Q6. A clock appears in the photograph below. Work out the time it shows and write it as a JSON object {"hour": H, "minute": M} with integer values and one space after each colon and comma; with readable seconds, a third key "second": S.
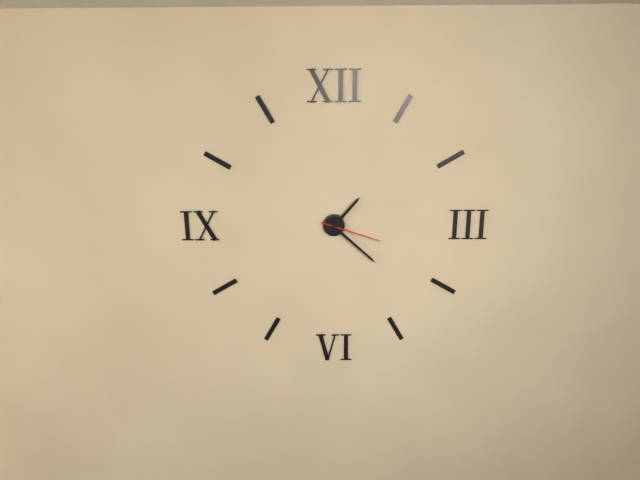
{"hour": 1, "minute": 22, "second": 18}
